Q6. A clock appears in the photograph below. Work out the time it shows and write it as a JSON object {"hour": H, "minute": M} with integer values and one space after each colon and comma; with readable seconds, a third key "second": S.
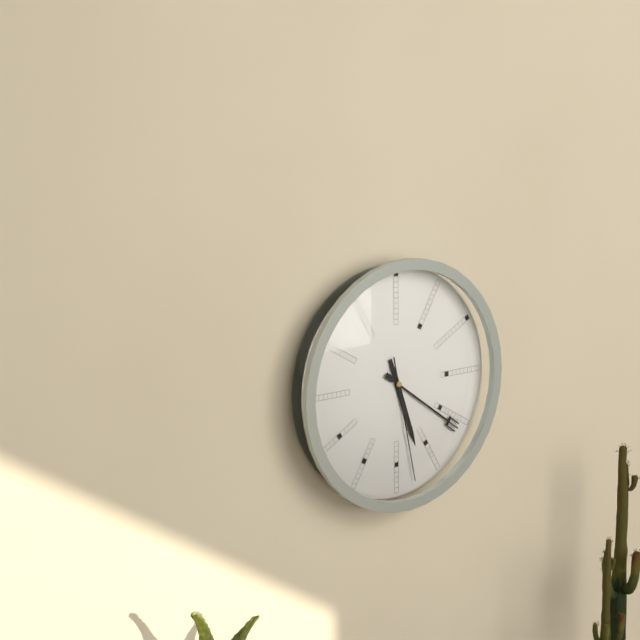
{"hour": 5, "minute": 21, "second": 28}
